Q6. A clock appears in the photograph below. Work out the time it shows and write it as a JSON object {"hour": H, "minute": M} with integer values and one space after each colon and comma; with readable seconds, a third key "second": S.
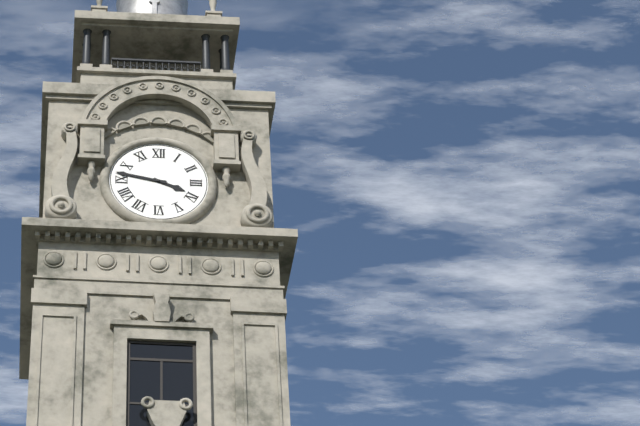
{"hour": 3, "minute": 47}
